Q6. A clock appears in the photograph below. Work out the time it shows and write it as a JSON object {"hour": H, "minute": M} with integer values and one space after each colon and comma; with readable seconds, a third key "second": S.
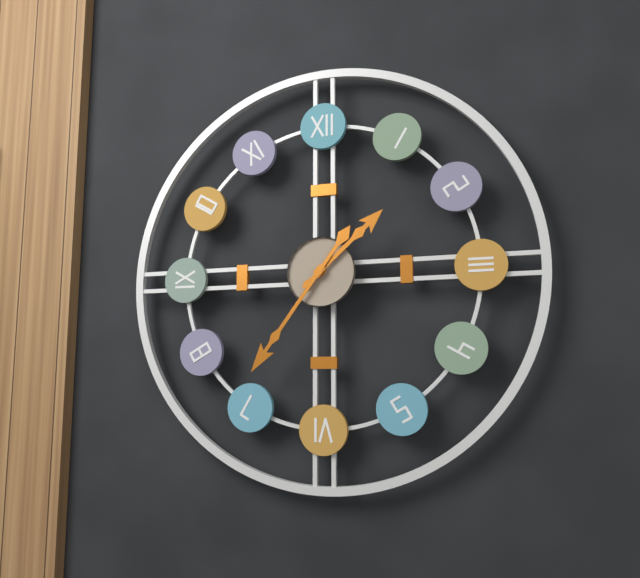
{"hour": 1, "minute": 36}
